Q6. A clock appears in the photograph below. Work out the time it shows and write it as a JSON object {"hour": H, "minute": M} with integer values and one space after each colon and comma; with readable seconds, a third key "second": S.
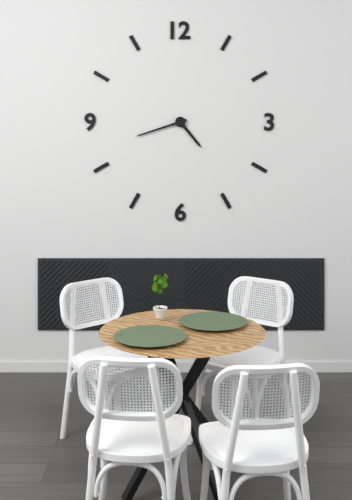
{"hour": 4, "minute": 42}
